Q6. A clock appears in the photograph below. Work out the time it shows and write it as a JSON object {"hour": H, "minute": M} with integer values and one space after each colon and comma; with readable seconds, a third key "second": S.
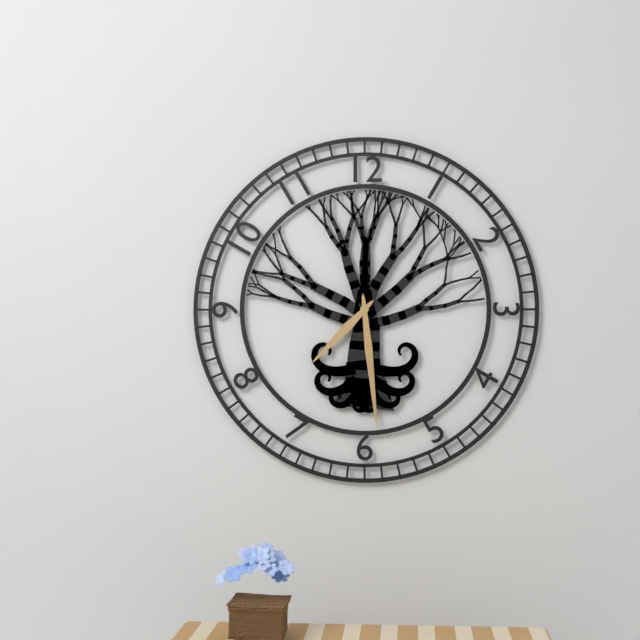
{"hour": 7, "minute": 29}
